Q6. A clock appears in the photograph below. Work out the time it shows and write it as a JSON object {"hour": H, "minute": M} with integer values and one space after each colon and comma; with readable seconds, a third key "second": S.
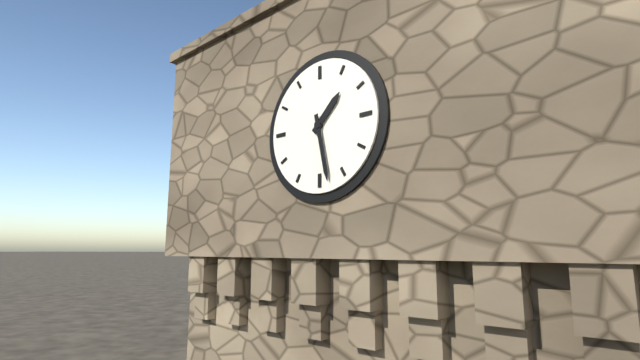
{"hour": 1, "minute": 28}
